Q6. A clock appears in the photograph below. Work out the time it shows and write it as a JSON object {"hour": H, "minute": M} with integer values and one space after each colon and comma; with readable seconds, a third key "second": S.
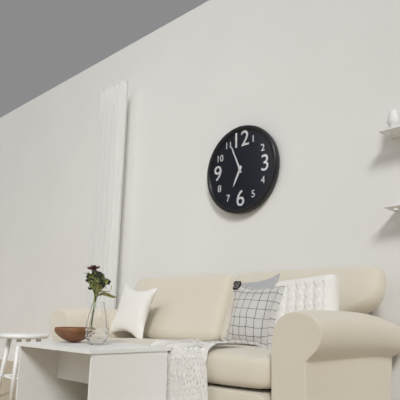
{"hour": 6, "minute": 56}
